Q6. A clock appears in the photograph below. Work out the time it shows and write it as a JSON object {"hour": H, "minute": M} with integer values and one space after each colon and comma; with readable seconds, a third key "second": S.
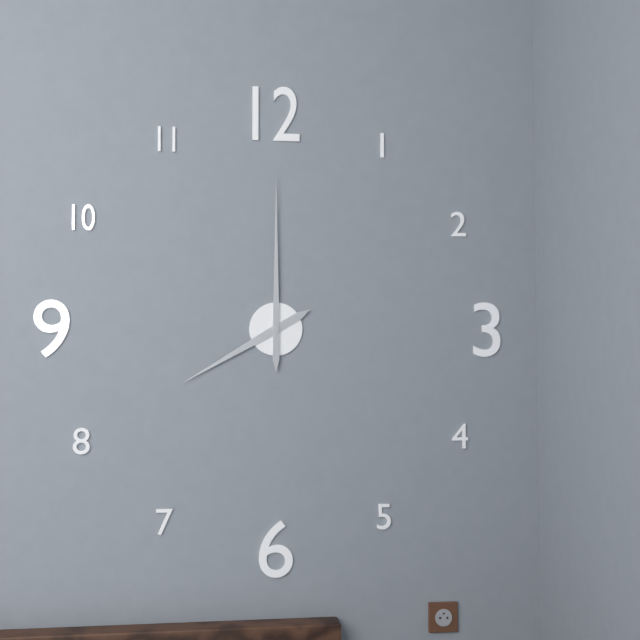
{"hour": 8, "minute": 0}
